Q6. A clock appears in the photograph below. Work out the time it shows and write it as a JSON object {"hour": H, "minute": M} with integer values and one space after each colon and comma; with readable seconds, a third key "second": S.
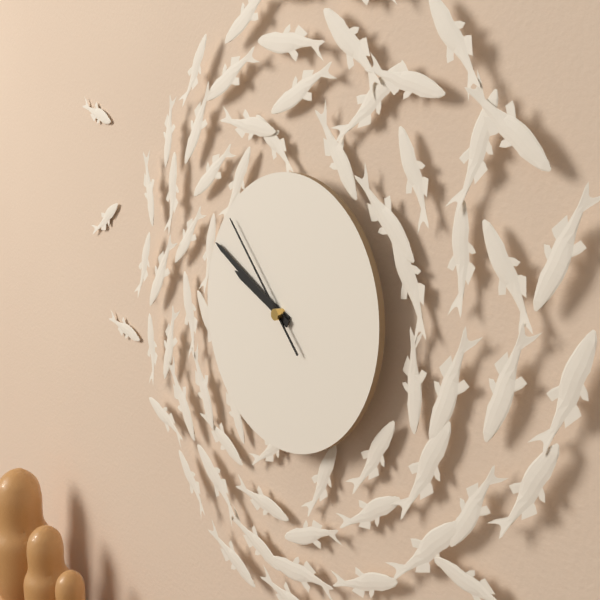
{"hour": 9, "minute": 50, "second": 53}
